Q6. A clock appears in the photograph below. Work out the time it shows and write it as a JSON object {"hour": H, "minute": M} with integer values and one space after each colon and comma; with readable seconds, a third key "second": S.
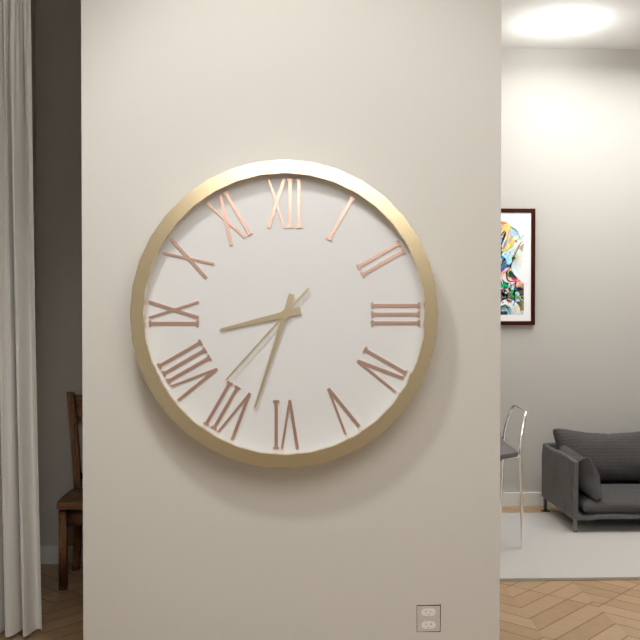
{"hour": 8, "minute": 33, "second": 37}
